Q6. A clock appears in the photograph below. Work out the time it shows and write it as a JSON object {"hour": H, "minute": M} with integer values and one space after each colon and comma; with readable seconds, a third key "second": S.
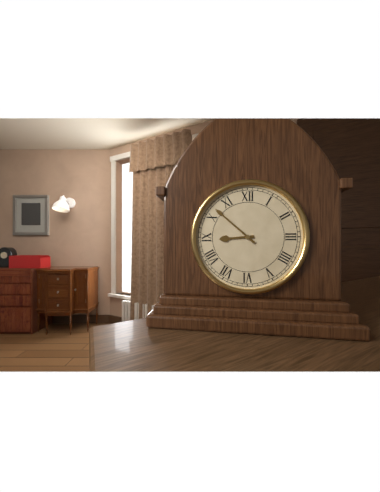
{"hour": 8, "minute": 52}
